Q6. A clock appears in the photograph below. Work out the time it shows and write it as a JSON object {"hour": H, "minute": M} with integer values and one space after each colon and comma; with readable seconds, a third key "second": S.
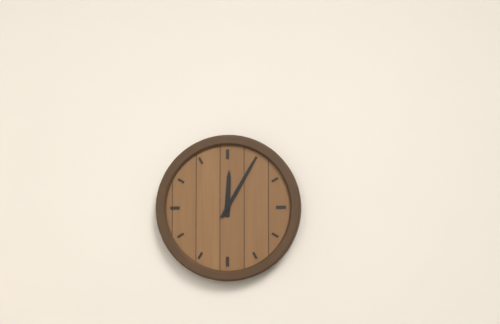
{"hour": 12, "minute": 5}
